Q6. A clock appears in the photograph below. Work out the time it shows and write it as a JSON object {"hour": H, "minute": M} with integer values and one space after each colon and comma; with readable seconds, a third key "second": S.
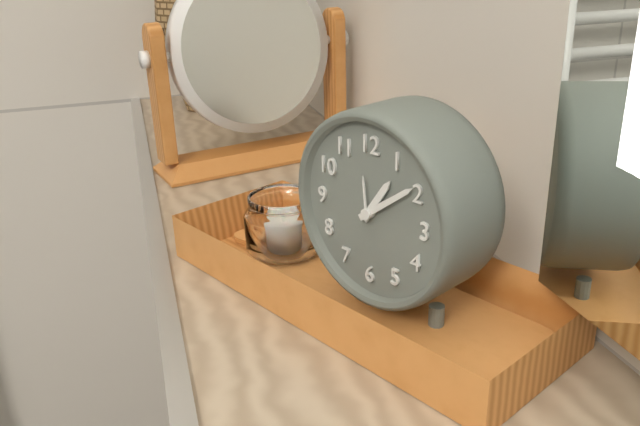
{"hour": 1, "minute": 9}
